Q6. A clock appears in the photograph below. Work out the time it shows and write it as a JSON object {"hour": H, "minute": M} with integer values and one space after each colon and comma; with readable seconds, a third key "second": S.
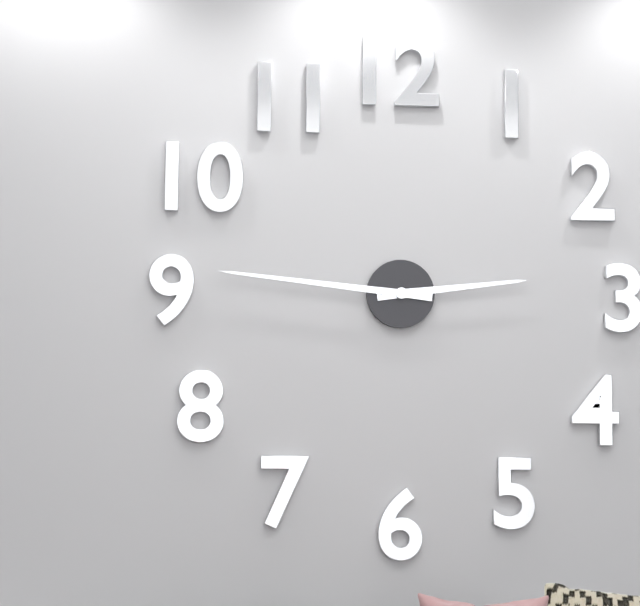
{"hour": 2, "minute": 46}
